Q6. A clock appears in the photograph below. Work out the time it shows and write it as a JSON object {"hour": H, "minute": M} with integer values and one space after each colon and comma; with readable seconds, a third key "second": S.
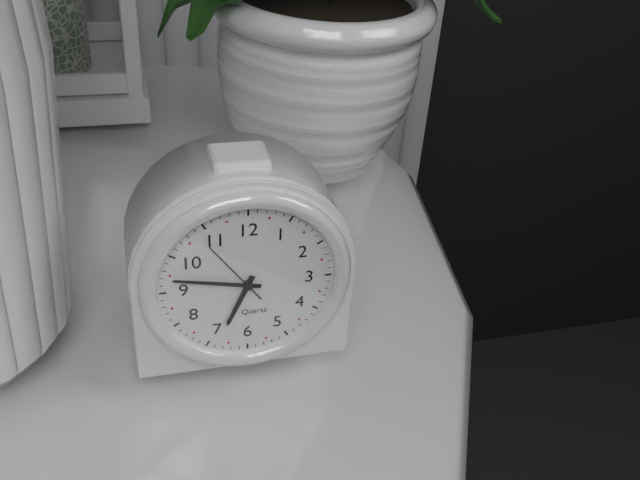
{"hour": 6, "minute": 47, "second": 54}
